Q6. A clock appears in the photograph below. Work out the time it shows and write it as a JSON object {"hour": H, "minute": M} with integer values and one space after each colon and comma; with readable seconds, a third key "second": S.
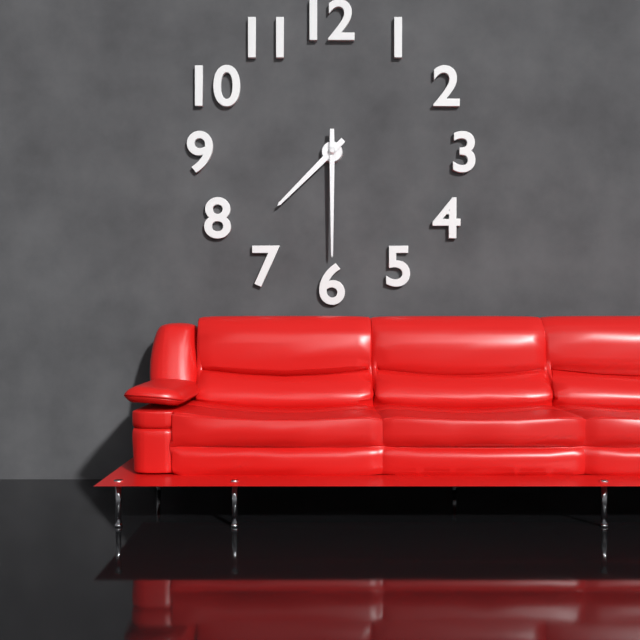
{"hour": 7, "minute": 30}
